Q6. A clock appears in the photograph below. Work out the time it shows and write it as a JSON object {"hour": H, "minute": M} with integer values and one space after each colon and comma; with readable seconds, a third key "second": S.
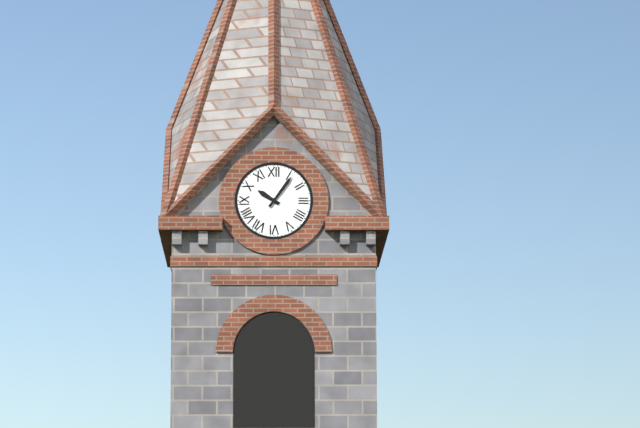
{"hour": 10, "minute": 6}
